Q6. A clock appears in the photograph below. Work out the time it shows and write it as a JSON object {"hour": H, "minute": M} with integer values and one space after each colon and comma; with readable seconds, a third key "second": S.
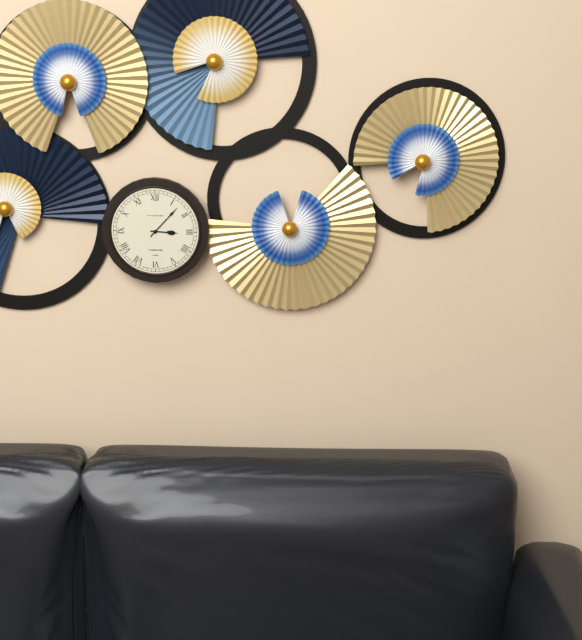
{"hour": 3, "minute": 7}
